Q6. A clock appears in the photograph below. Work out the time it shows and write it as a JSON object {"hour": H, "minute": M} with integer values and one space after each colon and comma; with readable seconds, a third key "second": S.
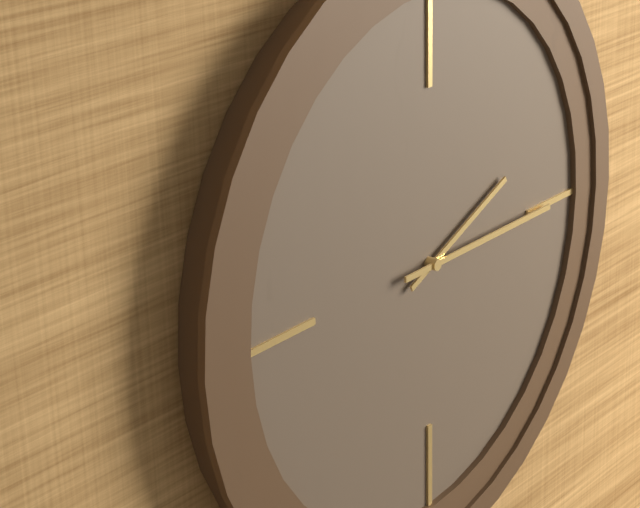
{"hour": 2, "minute": 15}
